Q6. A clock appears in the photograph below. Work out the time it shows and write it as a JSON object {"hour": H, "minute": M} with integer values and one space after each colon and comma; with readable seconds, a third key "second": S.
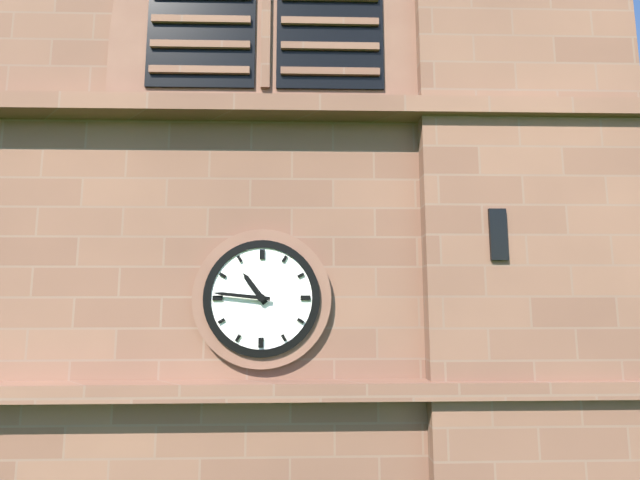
{"hour": 10, "minute": 46}
